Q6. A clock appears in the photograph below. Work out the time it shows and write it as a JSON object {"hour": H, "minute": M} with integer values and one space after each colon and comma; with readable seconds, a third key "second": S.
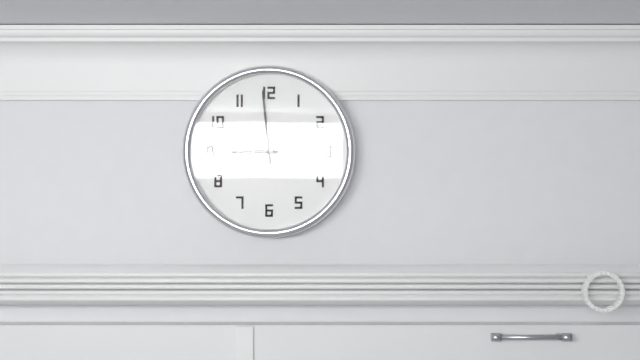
{"hour": 8, "minute": 59}
